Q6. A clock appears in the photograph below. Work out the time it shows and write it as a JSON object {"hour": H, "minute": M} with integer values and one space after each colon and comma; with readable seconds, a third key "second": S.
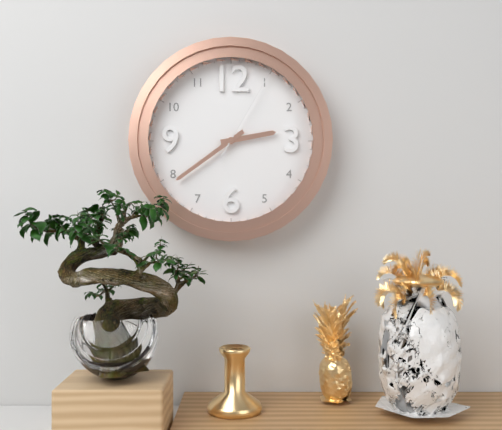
{"hour": 2, "minute": 39, "second": 5}
